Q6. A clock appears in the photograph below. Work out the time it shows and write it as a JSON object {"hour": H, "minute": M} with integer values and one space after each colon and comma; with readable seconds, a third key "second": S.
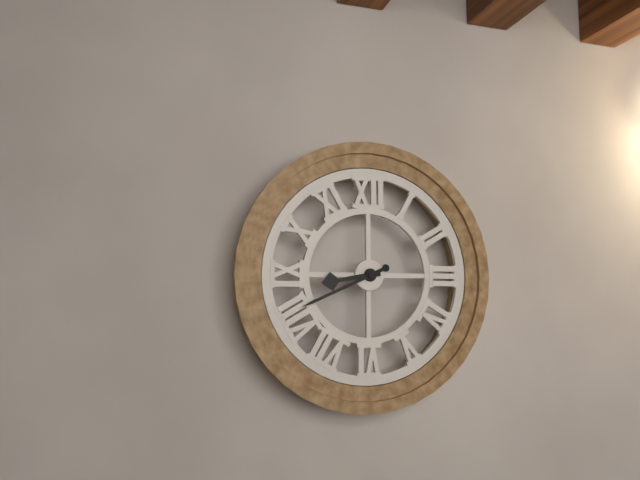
{"hour": 8, "minute": 41}
